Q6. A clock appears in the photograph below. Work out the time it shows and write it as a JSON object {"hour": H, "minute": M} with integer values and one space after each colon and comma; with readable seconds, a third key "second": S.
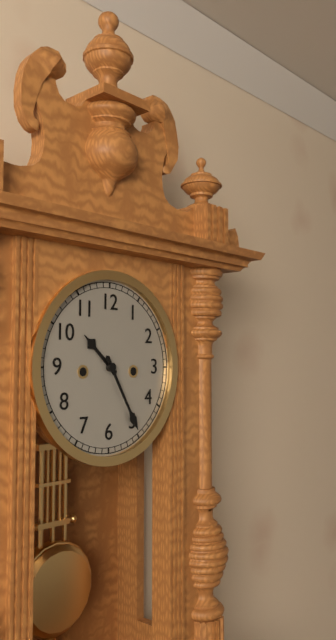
{"hour": 10, "minute": 25}
